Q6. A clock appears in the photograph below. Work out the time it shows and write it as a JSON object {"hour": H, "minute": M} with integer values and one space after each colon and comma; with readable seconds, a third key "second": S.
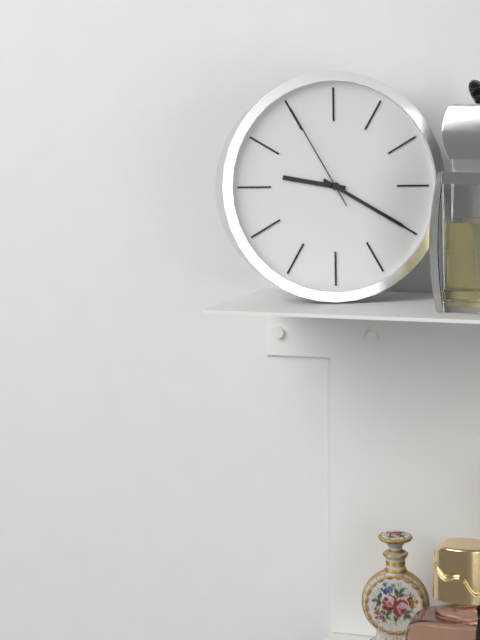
{"hour": 9, "minute": 20, "second": 55}
